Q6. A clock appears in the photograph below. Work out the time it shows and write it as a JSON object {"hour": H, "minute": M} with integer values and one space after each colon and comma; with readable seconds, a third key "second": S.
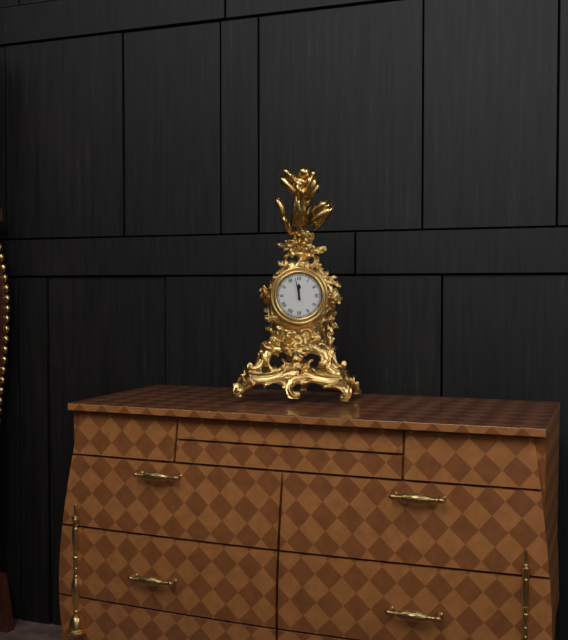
{"hour": 11, "minute": 58}
